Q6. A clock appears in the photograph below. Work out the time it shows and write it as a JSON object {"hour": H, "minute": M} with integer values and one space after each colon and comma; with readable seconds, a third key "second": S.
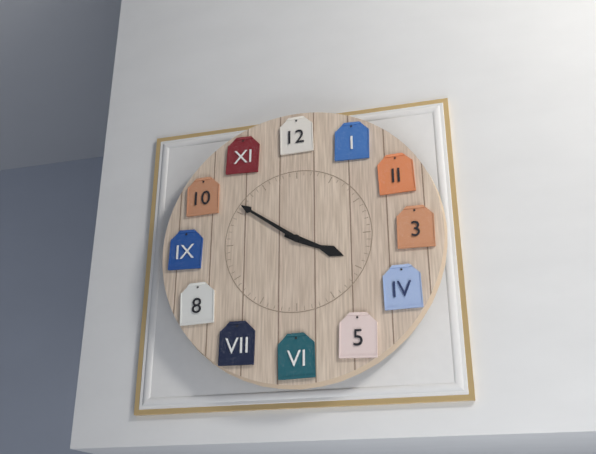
{"hour": 3, "minute": 51}
